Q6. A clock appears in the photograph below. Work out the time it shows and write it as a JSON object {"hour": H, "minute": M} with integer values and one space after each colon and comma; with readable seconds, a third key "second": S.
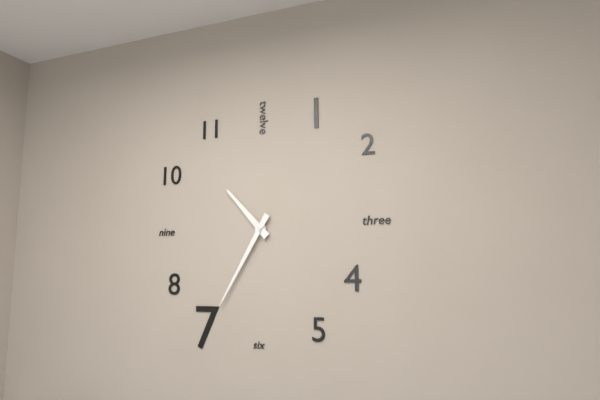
{"hour": 10, "minute": 35}
